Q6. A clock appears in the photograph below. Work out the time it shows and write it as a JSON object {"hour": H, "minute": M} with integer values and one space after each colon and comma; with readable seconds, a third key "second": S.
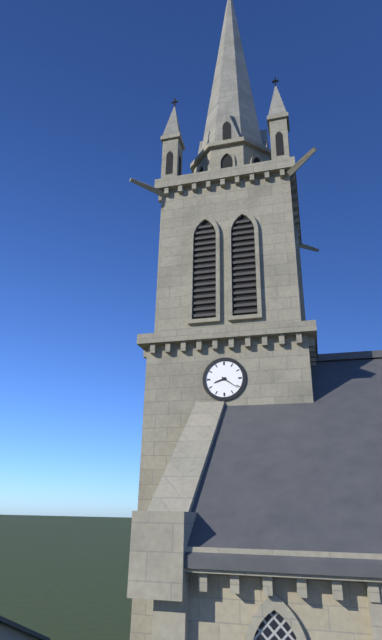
{"hour": 8, "minute": 21}
